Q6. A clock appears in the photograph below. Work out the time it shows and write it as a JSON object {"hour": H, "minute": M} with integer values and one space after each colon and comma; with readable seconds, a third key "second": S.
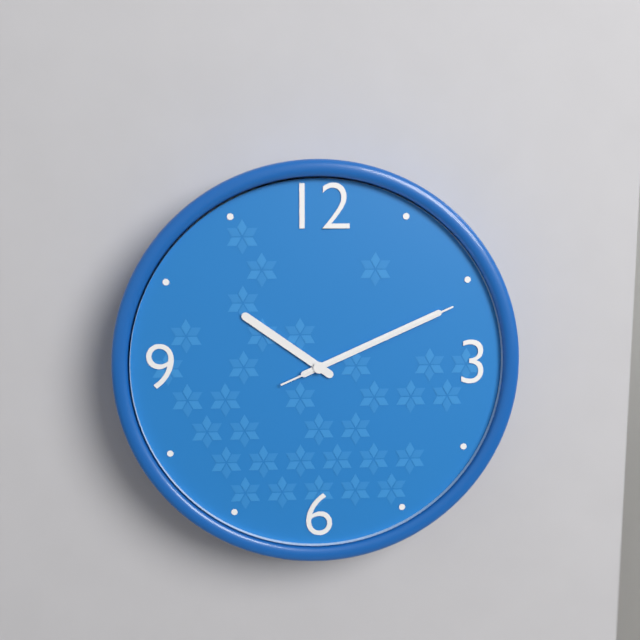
{"hour": 10, "minute": 11, "second": 11}
